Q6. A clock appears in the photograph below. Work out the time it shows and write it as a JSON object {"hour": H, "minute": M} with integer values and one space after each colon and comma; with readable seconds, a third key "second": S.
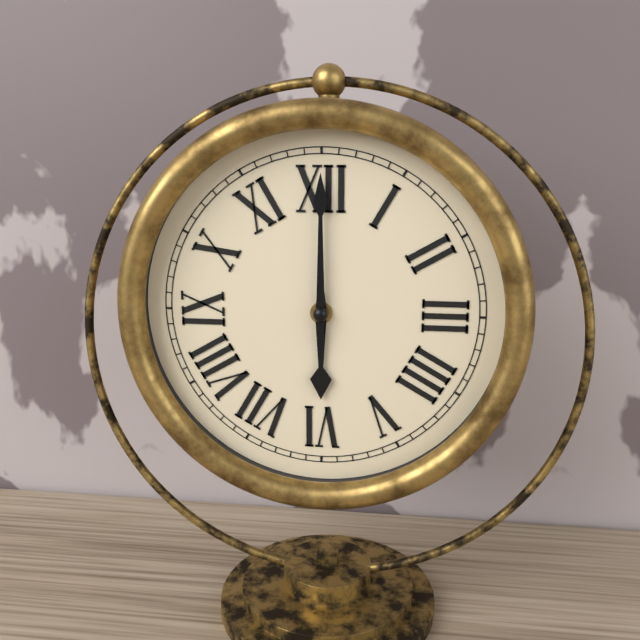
{"hour": 6, "minute": 0}
